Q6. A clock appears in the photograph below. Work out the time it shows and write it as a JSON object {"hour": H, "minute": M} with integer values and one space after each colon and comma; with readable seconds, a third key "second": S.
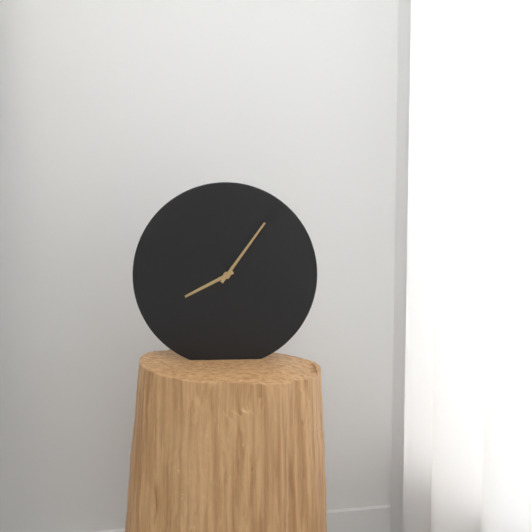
{"hour": 8, "minute": 6}
